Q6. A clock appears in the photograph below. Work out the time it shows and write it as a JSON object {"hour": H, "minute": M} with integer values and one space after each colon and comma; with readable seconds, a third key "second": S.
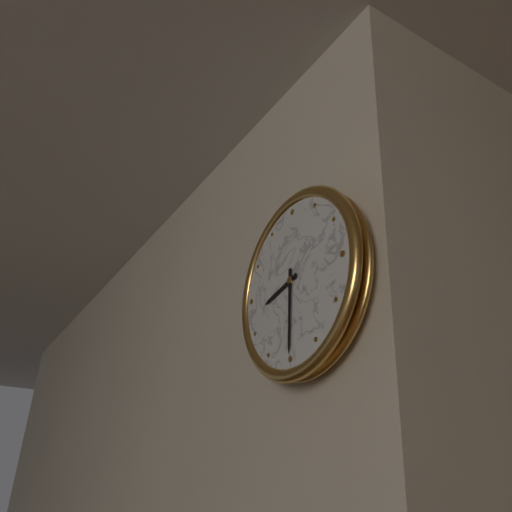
{"hour": 8, "minute": 30}
